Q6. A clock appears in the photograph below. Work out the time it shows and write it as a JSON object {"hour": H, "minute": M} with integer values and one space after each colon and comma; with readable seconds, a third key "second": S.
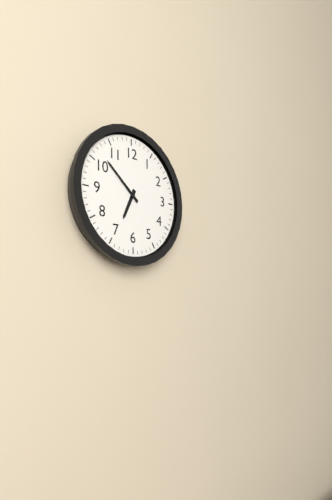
{"hour": 6, "minute": 52}
